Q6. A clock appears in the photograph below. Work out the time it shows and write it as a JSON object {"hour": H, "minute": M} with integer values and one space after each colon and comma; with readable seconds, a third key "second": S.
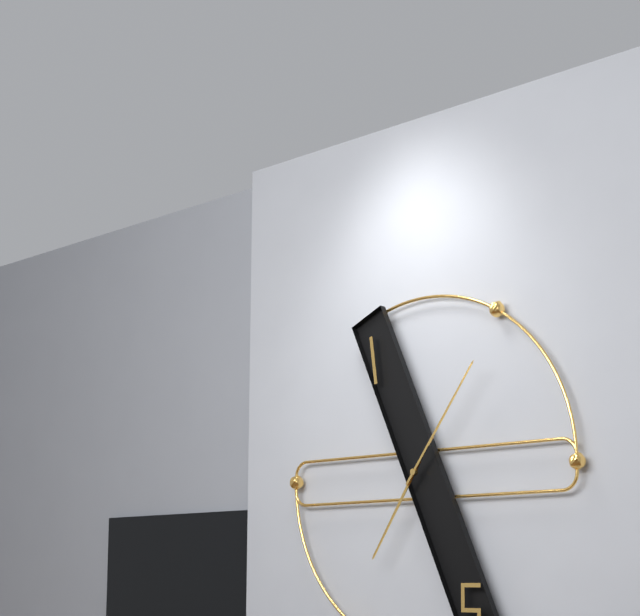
{"hour": 7, "minute": 6}
